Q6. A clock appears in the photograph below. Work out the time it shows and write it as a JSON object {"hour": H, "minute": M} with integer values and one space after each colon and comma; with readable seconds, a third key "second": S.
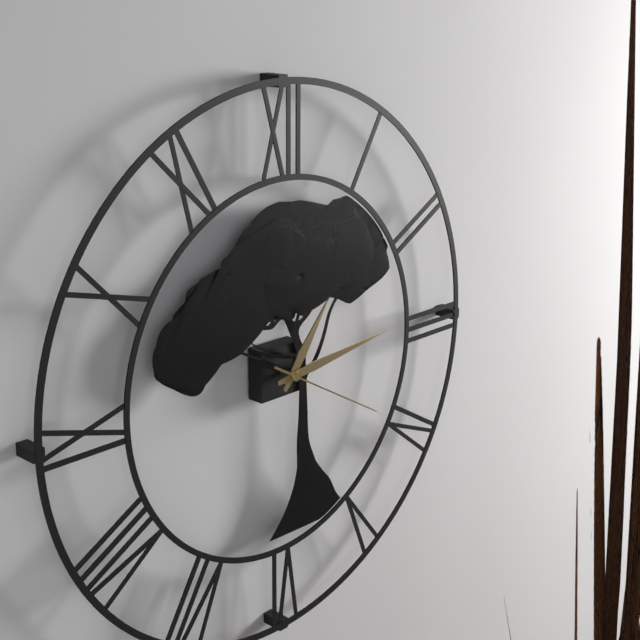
{"hour": 1, "minute": 14, "second": 20}
